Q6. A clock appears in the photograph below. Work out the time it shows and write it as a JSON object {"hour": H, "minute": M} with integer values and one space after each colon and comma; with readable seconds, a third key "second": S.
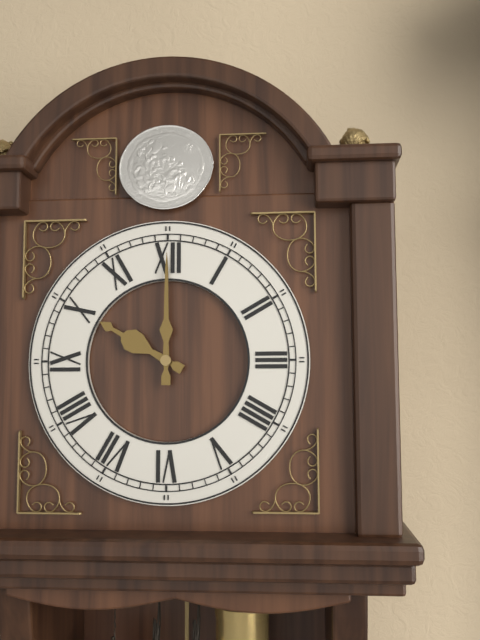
{"hour": 10, "minute": 0}
